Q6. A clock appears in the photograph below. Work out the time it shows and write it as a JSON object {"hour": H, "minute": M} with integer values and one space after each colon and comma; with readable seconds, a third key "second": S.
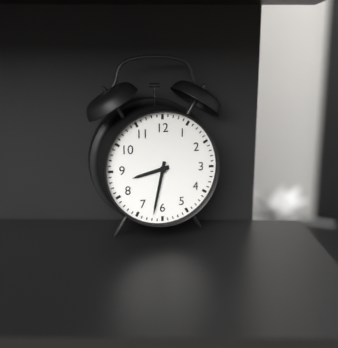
{"hour": 8, "minute": 32}
